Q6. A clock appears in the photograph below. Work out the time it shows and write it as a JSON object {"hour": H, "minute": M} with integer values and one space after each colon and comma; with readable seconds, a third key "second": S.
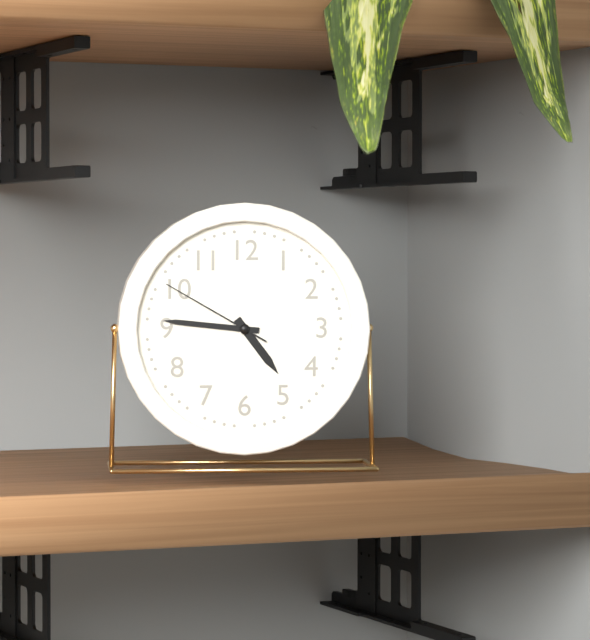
{"hour": 4, "minute": 46, "second": 50}
